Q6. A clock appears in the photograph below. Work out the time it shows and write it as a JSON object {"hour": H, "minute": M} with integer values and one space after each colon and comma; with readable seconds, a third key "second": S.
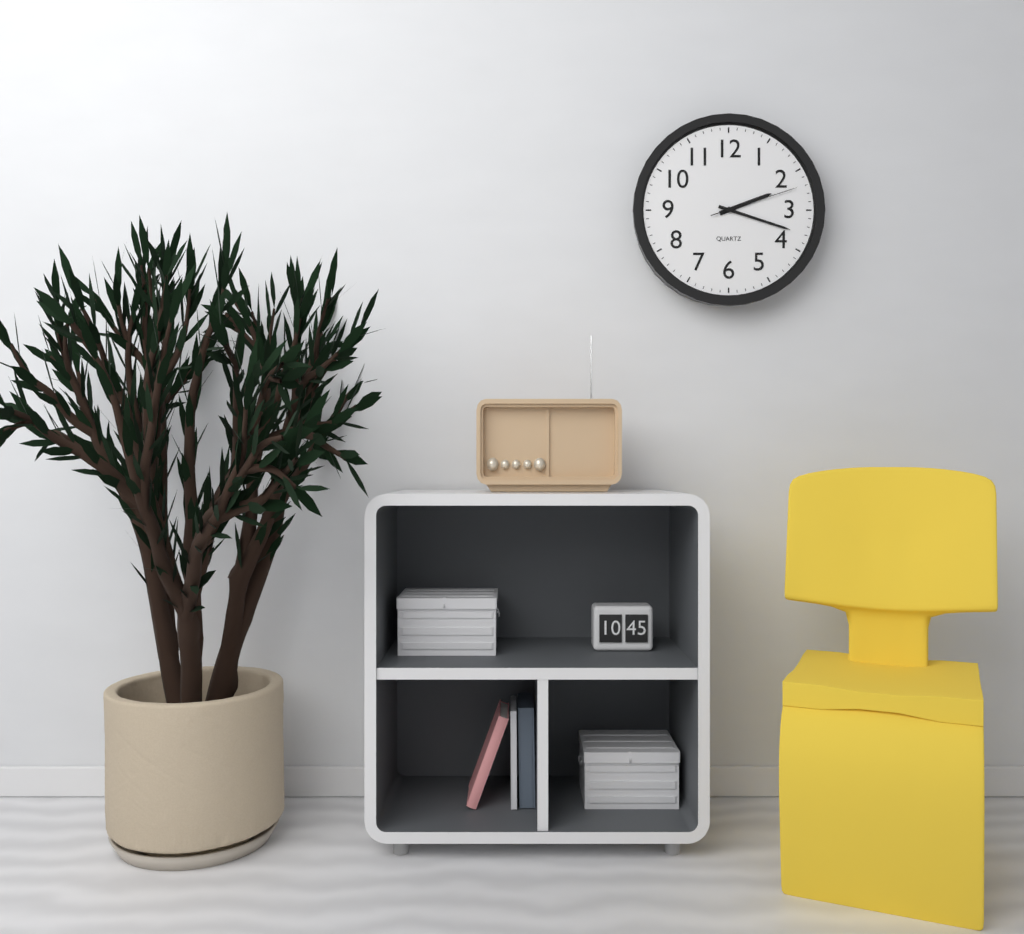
{"hour": 2, "minute": 18, "second": 12}
